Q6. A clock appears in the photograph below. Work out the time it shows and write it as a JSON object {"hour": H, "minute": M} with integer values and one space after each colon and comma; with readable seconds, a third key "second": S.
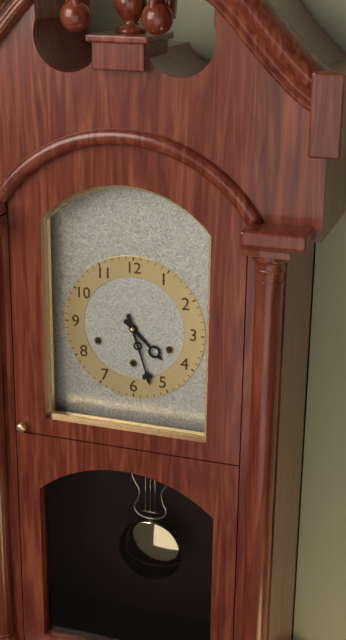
{"hour": 4, "minute": 27}
